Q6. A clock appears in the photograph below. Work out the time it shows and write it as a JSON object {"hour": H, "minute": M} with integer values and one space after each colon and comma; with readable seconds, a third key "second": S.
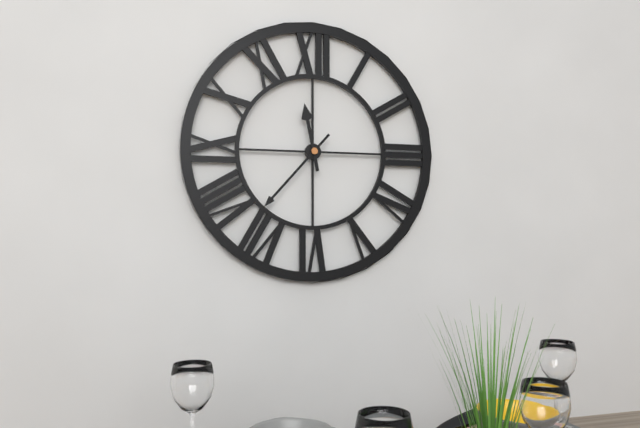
{"hour": 11, "minute": 37}
